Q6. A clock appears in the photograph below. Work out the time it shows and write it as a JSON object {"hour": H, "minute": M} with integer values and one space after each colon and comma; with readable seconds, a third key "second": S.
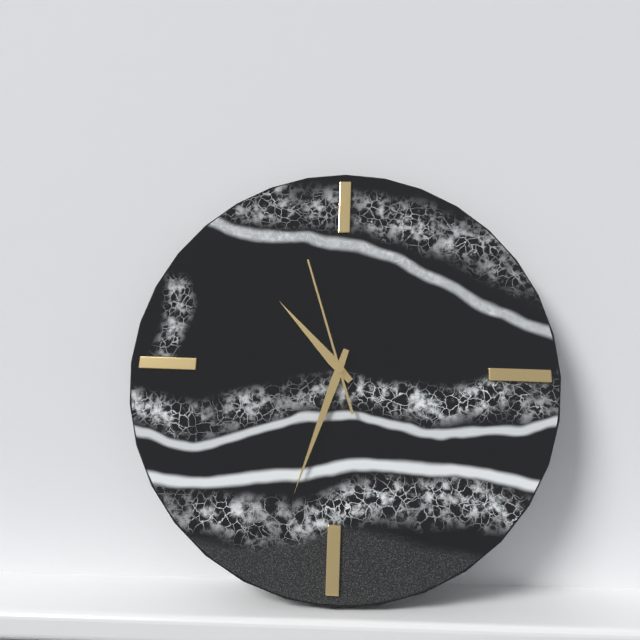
{"hour": 10, "minute": 33, "second": 57}
